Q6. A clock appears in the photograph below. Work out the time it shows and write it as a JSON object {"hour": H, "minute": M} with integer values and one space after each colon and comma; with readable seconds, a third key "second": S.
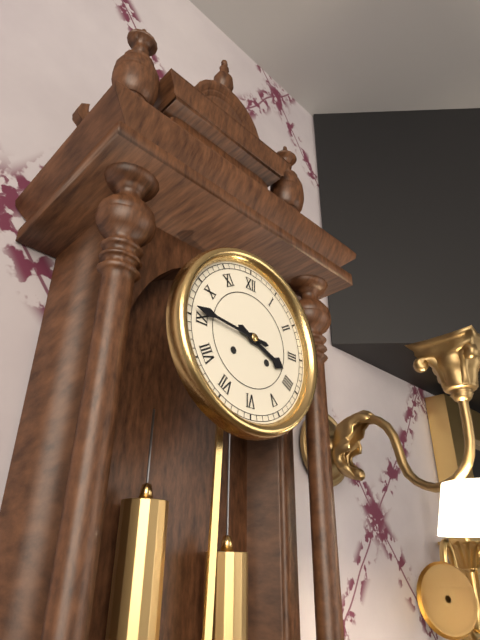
{"hour": 3, "minute": 46}
